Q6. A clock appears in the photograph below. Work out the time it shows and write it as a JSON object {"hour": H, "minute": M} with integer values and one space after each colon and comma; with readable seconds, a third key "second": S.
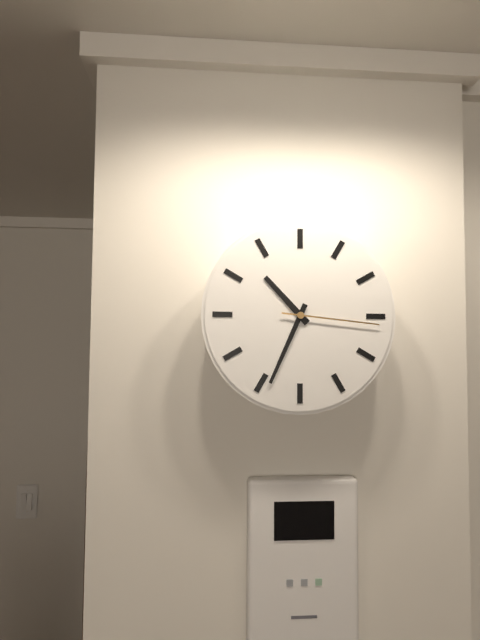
{"hour": 10, "minute": 34, "second": 16}
